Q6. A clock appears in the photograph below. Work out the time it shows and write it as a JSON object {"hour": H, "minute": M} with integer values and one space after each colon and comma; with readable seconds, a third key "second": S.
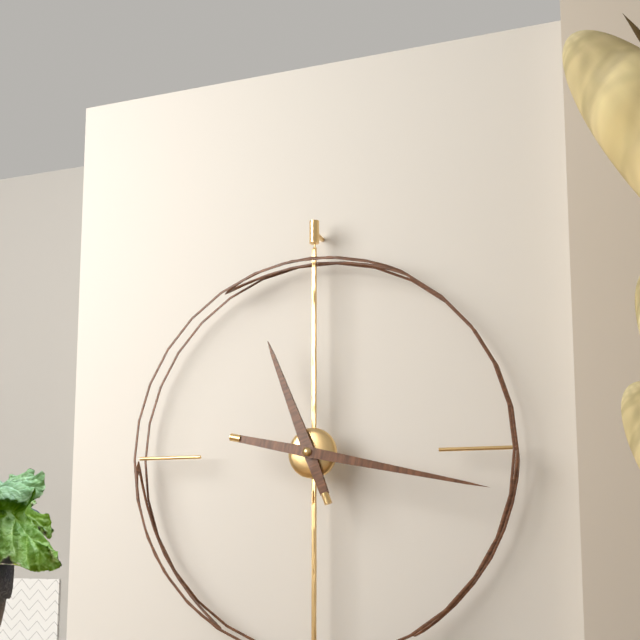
{"hour": 11, "minute": 17}
